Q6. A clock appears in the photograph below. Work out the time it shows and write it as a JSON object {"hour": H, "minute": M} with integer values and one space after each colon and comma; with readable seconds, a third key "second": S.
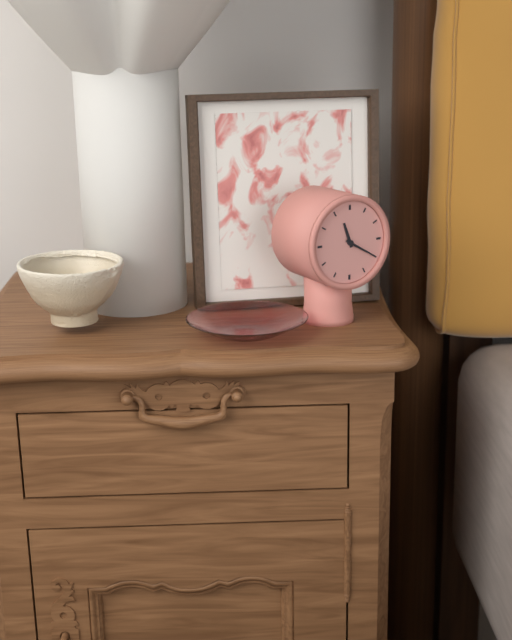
{"hour": 11, "minute": 20}
